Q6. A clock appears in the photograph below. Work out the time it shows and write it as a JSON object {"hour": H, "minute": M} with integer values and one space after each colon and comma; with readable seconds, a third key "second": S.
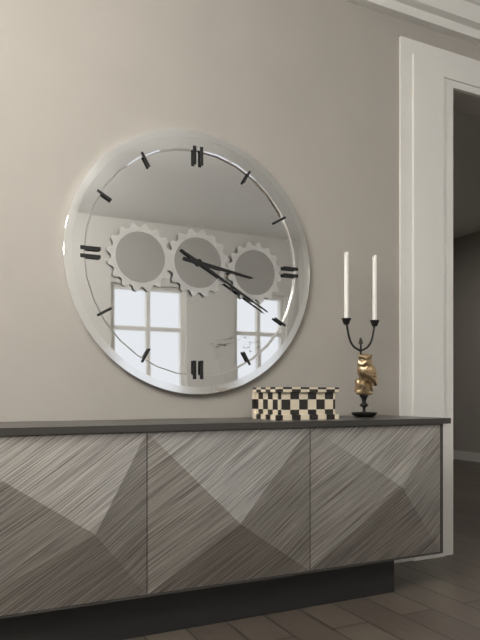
{"hour": 3, "minute": 20}
